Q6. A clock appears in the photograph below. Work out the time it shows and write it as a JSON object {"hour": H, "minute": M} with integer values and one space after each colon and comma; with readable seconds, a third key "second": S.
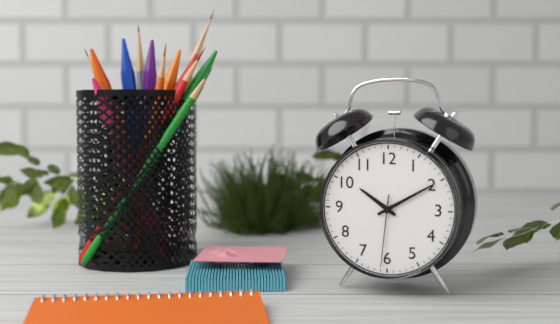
{"hour": 10, "minute": 10, "second": 31}
